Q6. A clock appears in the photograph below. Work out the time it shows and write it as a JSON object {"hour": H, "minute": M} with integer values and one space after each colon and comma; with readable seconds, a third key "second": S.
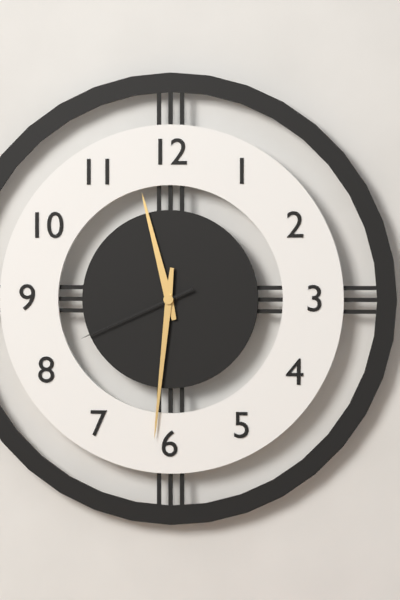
{"hour": 11, "minute": 31, "second": 41}
